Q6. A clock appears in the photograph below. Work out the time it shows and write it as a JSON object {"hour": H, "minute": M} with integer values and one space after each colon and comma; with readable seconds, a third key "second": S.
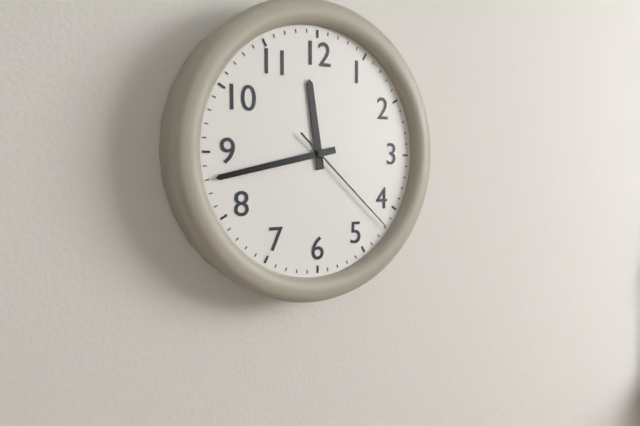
{"hour": 11, "minute": 43, "second": 22}
